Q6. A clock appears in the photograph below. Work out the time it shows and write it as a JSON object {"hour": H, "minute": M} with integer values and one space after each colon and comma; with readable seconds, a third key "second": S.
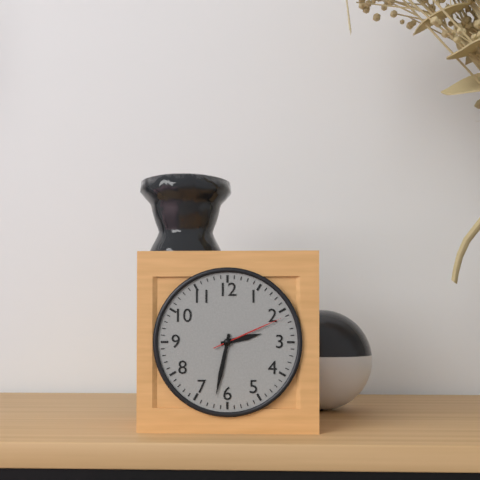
{"hour": 2, "minute": 32, "second": 11}
